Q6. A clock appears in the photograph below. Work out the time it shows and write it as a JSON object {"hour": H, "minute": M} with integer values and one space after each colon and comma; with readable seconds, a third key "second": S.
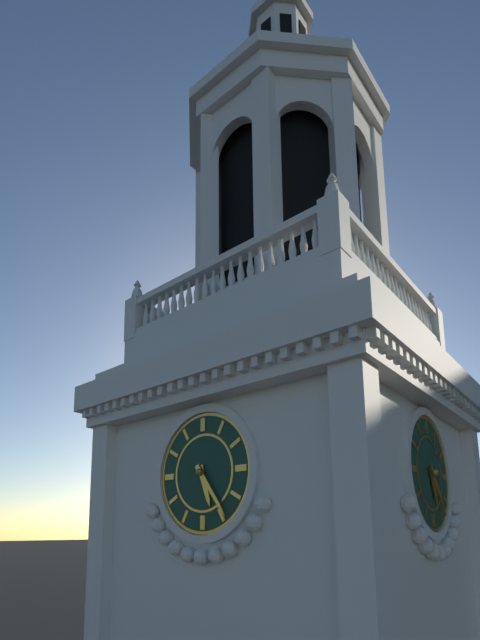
{"hour": 5, "minute": 24}
